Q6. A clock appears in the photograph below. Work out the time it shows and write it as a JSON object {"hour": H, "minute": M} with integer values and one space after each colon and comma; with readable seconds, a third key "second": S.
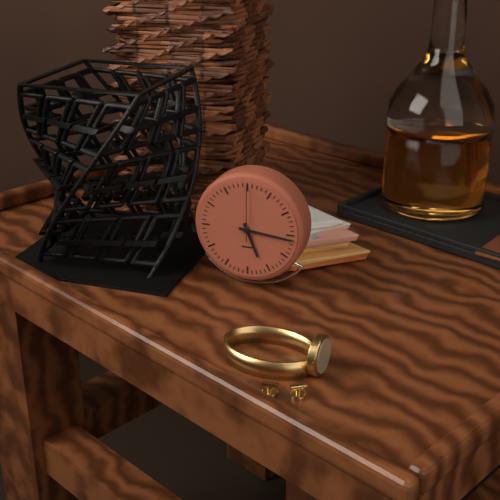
{"hour": 5, "minute": 16, "second": 0}
